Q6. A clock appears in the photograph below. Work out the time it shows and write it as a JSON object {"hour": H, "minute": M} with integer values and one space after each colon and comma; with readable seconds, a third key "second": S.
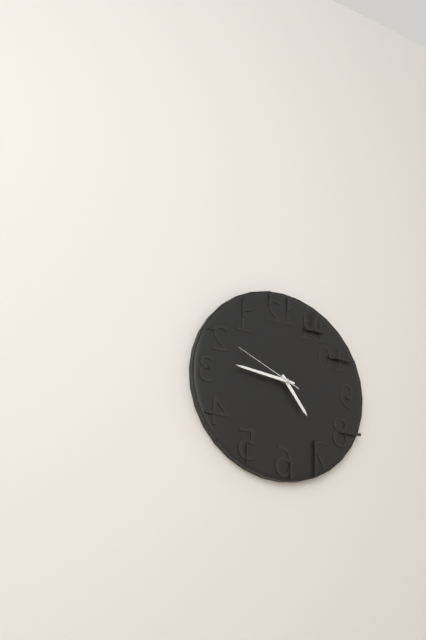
{"hour": 4, "minute": 46, "second": 49}
